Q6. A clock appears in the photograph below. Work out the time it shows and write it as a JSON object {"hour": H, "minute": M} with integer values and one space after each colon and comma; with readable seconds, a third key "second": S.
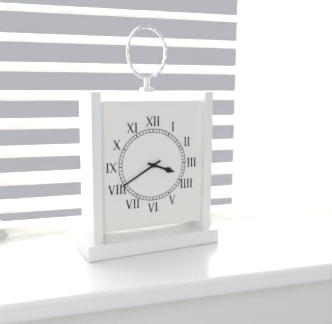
{"hour": 3, "minute": 40}
